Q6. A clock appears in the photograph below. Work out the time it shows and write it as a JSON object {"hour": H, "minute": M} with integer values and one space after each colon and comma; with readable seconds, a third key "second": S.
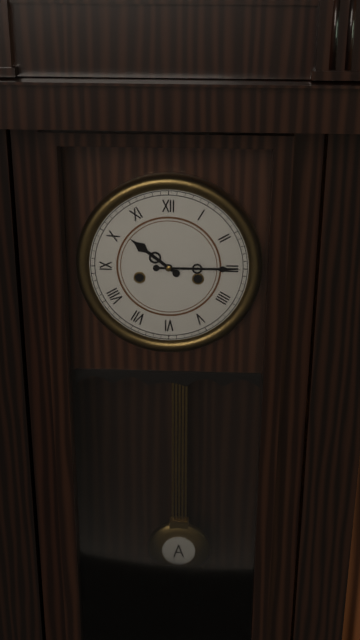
{"hour": 10, "minute": 15}
